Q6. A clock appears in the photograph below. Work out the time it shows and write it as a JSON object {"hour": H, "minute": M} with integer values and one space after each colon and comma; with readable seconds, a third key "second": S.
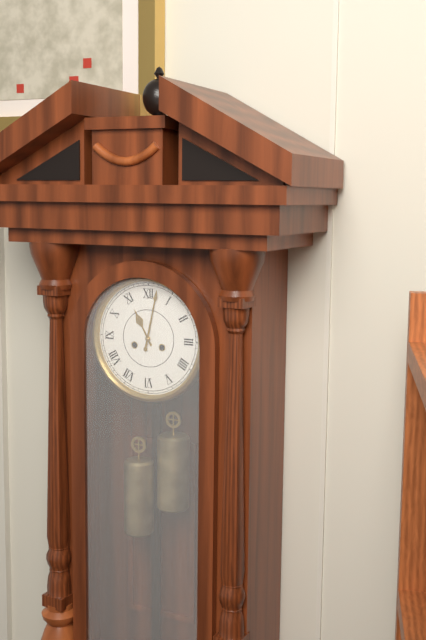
{"hour": 11, "minute": 2}
